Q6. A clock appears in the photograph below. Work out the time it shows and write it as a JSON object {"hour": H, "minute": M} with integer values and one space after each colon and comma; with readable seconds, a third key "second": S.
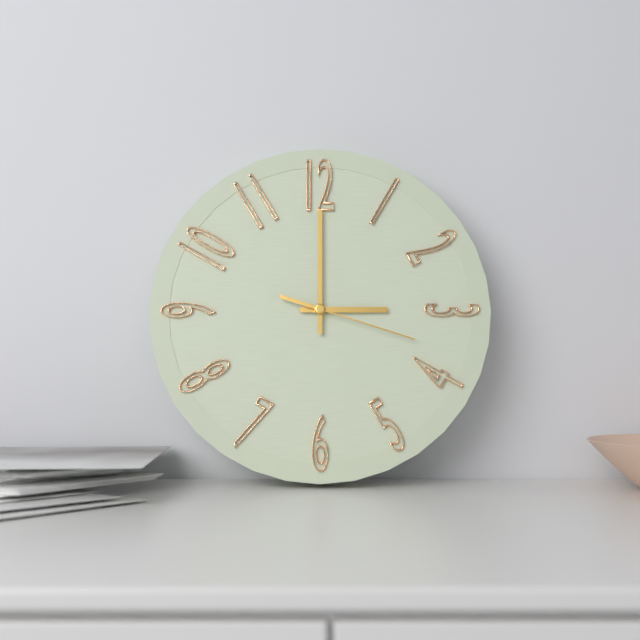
{"hour": 3, "minute": 0, "second": 18}
